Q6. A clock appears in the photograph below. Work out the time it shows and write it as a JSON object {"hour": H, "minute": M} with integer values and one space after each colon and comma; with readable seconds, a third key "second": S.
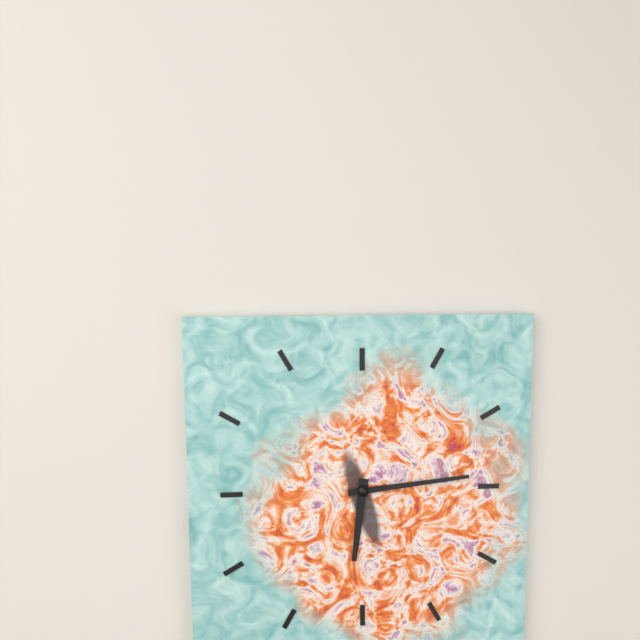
{"hour": 6, "minute": 14}
